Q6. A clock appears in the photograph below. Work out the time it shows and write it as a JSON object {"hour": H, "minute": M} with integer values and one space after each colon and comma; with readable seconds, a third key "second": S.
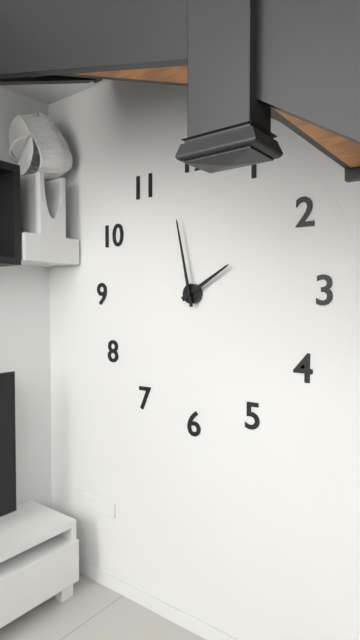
{"hour": 1, "minute": 58}
